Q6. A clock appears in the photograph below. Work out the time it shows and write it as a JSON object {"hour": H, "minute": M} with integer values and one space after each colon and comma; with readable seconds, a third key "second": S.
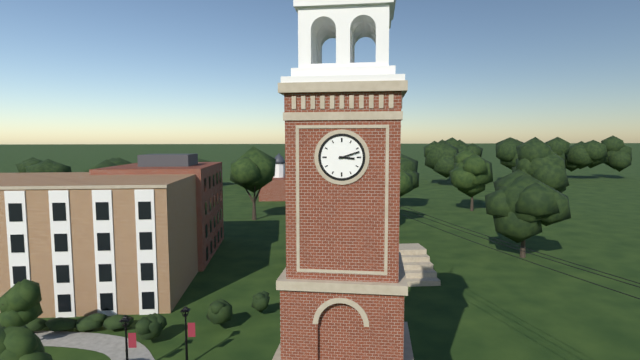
{"hour": 3, "minute": 12}
